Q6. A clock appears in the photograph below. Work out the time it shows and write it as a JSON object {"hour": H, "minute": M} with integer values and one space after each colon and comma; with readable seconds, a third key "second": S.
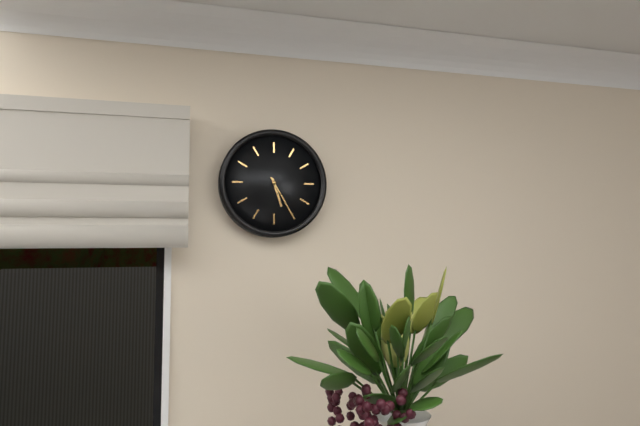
{"hour": 5, "minute": 25}
